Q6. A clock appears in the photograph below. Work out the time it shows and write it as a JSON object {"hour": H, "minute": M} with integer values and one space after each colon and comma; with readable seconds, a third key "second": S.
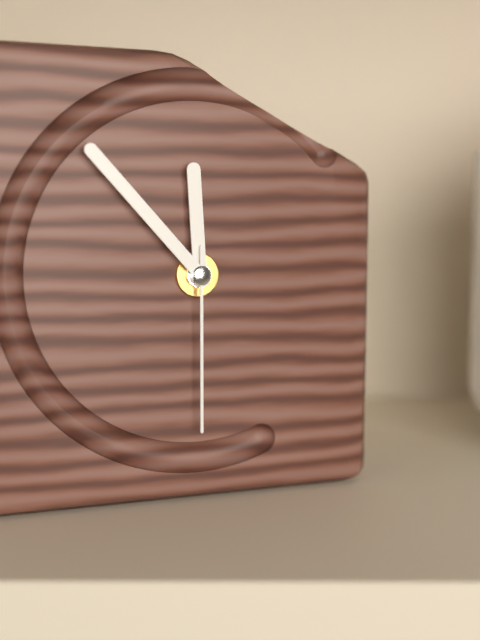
{"hour": 11, "minute": 53, "second": 30}
